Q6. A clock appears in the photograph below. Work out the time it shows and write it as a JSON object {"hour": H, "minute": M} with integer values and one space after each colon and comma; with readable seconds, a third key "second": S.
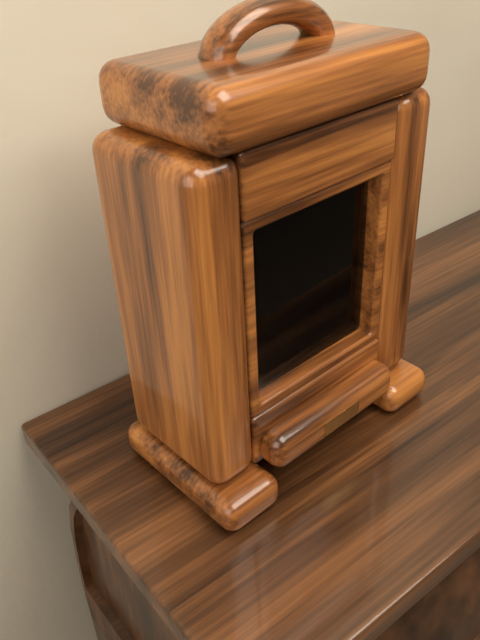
{"hour": 3, "minute": 11, "second": 35}
